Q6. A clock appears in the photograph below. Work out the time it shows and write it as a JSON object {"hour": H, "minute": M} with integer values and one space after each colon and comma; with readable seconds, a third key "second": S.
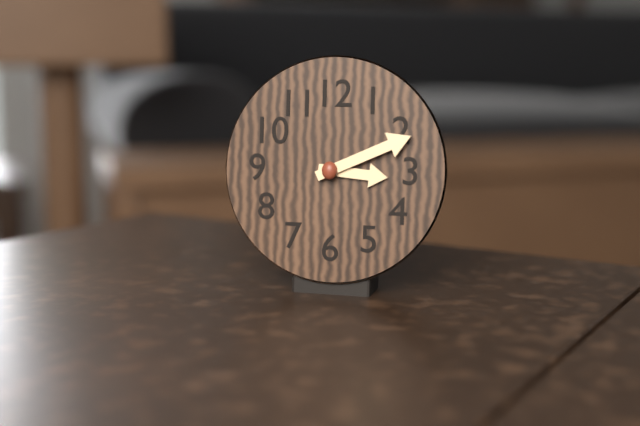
{"hour": 3, "minute": 11}
